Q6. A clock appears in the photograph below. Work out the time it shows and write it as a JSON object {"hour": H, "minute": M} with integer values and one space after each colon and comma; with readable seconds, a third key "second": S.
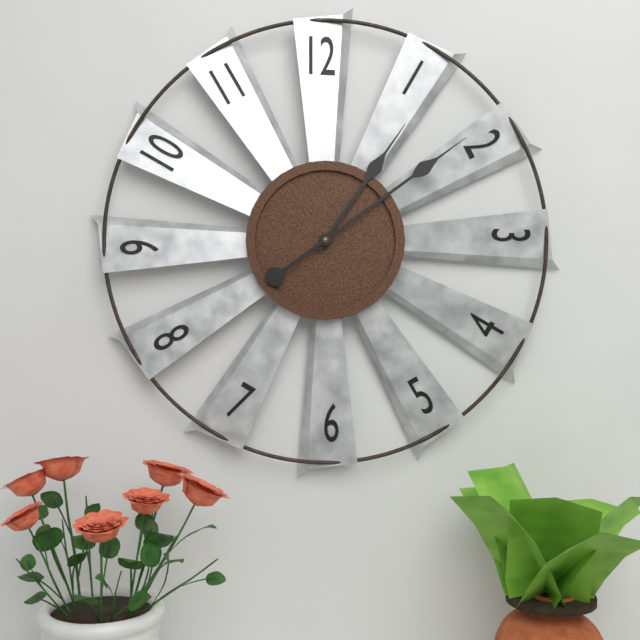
{"hour": 1, "minute": 9}
